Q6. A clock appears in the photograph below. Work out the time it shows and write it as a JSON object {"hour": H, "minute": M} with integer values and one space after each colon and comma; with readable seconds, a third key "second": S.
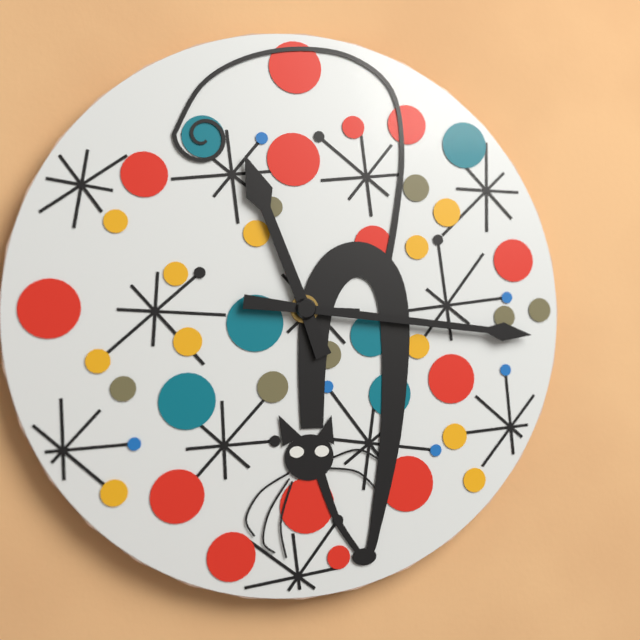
{"hour": 11, "minute": 16}
